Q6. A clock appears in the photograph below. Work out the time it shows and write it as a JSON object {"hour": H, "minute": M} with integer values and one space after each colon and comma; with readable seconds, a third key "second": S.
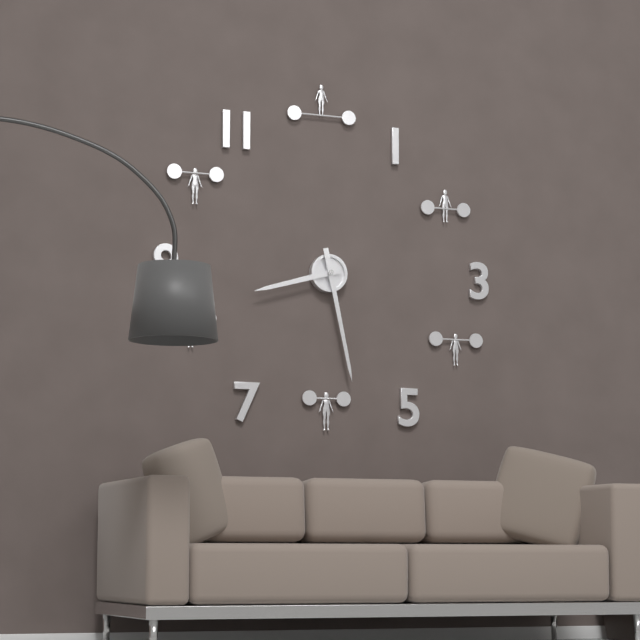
{"hour": 8, "minute": 28}
